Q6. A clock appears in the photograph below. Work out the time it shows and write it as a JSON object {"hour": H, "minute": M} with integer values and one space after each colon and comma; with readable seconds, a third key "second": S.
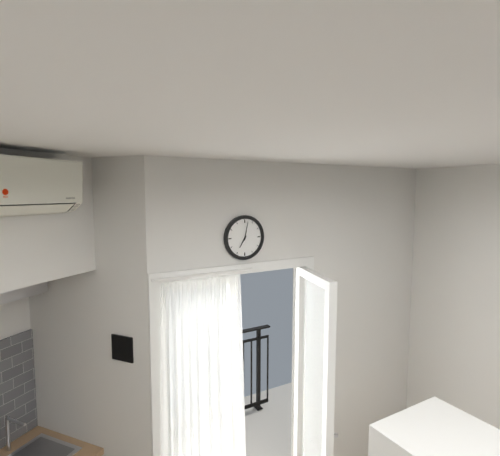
{"hour": 7, "minute": 2}
